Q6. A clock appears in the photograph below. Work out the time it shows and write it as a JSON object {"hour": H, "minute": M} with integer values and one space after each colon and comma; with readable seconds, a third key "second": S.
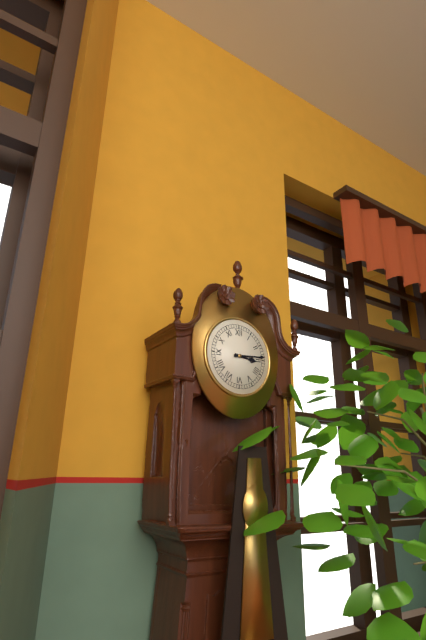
{"hour": 3, "minute": 14}
